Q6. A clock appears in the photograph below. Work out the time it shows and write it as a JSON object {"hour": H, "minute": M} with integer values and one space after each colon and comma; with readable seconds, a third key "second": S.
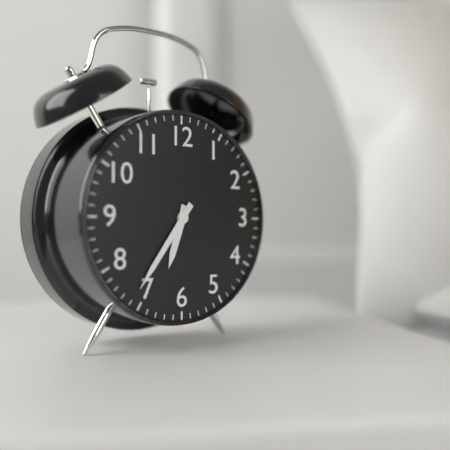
{"hour": 6, "minute": 36}
